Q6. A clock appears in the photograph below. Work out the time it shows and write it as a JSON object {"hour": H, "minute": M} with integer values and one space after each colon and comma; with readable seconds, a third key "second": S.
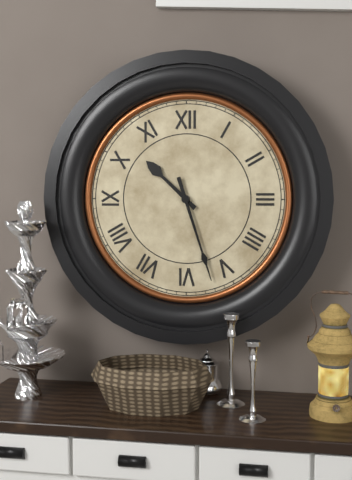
{"hour": 10, "minute": 27}
